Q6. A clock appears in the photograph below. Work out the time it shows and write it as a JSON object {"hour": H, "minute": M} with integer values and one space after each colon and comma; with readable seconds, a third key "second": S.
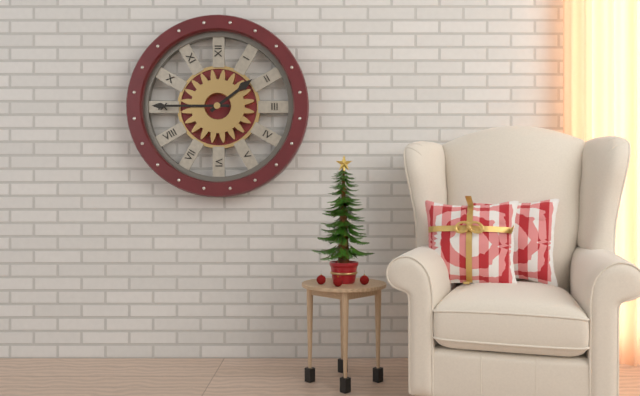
{"hour": 1, "minute": 45}
